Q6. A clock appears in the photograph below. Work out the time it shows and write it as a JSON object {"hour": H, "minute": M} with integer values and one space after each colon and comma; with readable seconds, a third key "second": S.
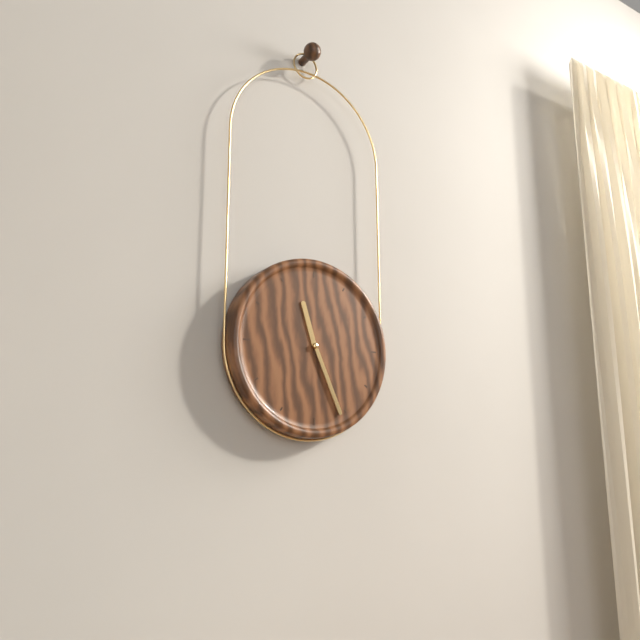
{"hour": 11, "minute": 26}
